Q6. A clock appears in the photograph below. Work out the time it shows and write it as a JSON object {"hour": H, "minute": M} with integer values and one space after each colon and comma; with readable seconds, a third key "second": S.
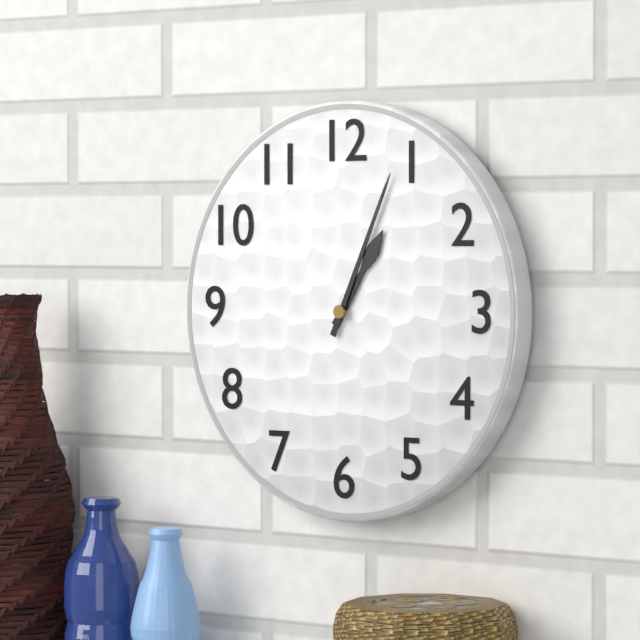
{"hour": 1, "minute": 4}
